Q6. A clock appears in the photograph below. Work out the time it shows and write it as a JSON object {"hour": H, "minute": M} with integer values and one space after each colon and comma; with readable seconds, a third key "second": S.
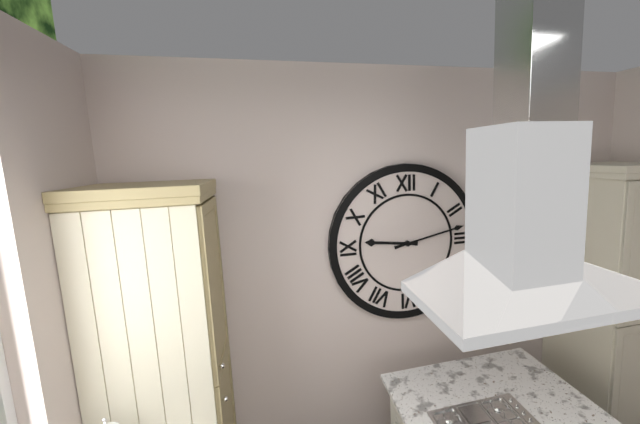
{"hour": 9, "minute": 13}
